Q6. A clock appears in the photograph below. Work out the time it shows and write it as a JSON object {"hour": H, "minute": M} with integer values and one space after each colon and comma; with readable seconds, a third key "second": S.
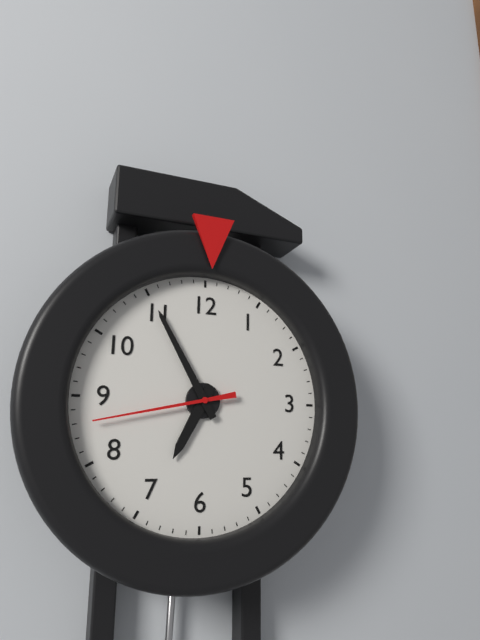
{"hour": 6, "minute": 55, "second": 43}
